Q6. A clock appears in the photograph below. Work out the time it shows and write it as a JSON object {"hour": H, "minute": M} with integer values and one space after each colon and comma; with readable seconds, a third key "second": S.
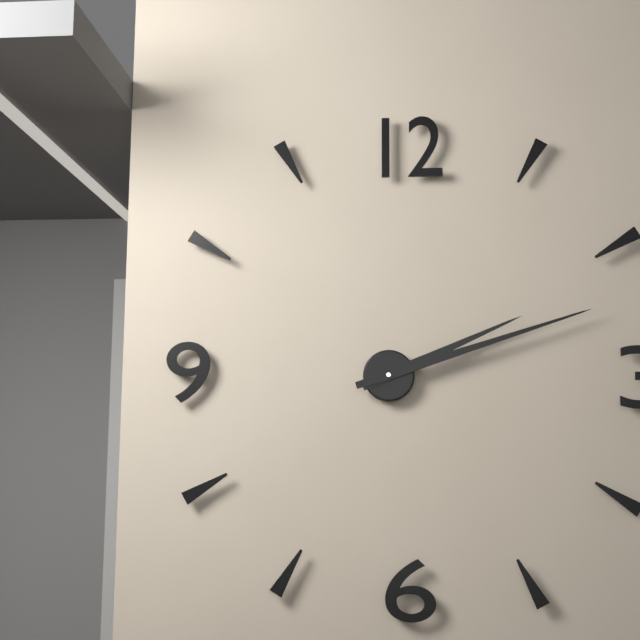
{"hour": 2, "minute": 12}
